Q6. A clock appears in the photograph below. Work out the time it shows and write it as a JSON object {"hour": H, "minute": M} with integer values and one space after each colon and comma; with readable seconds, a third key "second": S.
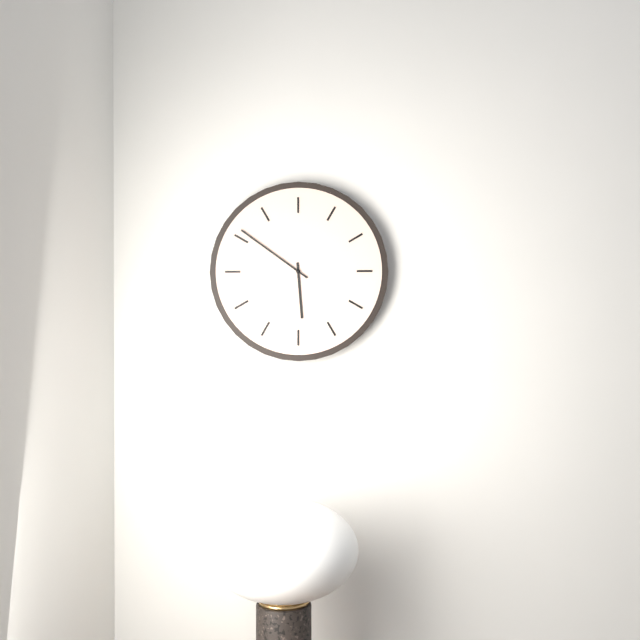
{"hour": 5, "minute": 51}
